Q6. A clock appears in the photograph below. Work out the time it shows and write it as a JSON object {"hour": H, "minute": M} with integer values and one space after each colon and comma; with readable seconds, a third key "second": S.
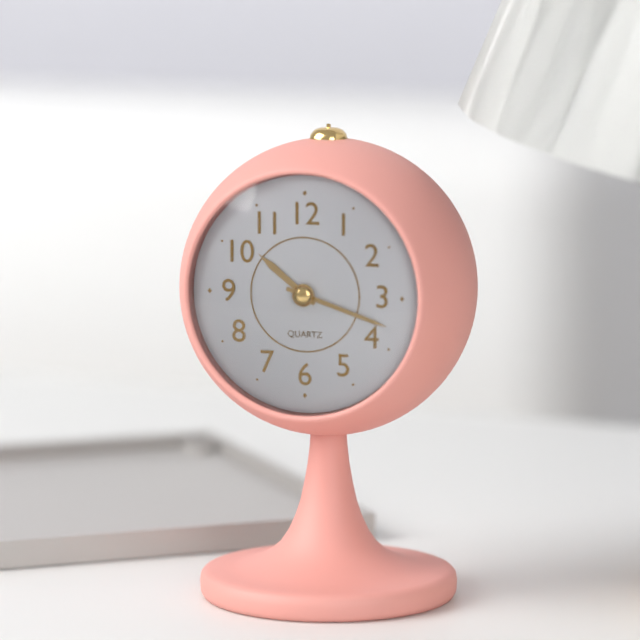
{"hour": 10, "minute": 18}
